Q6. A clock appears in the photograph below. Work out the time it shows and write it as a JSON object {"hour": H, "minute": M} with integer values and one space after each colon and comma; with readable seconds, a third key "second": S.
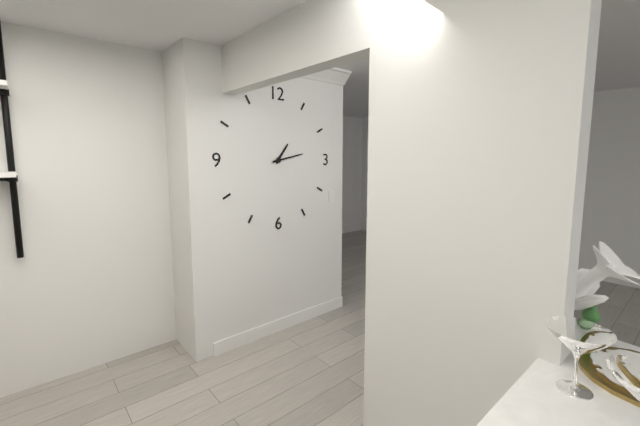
{"hour": 1, "minute": 13}
